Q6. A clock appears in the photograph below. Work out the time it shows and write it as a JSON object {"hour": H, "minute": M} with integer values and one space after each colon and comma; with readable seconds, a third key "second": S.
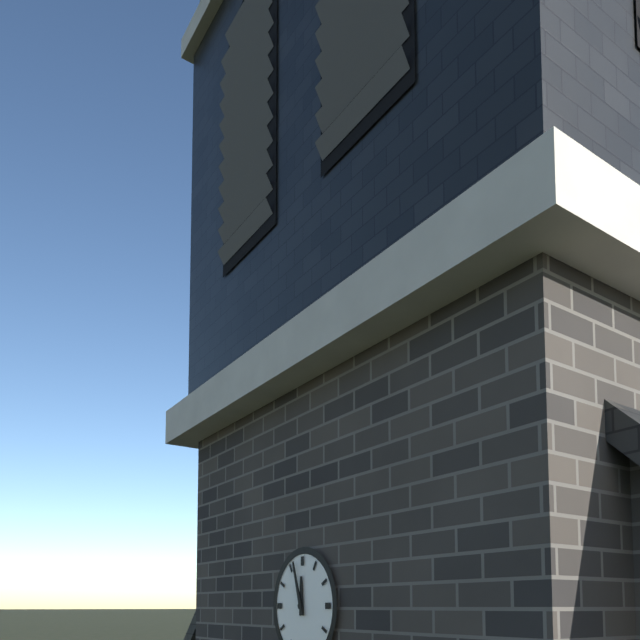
{"hour": 11, "minute": 57}
